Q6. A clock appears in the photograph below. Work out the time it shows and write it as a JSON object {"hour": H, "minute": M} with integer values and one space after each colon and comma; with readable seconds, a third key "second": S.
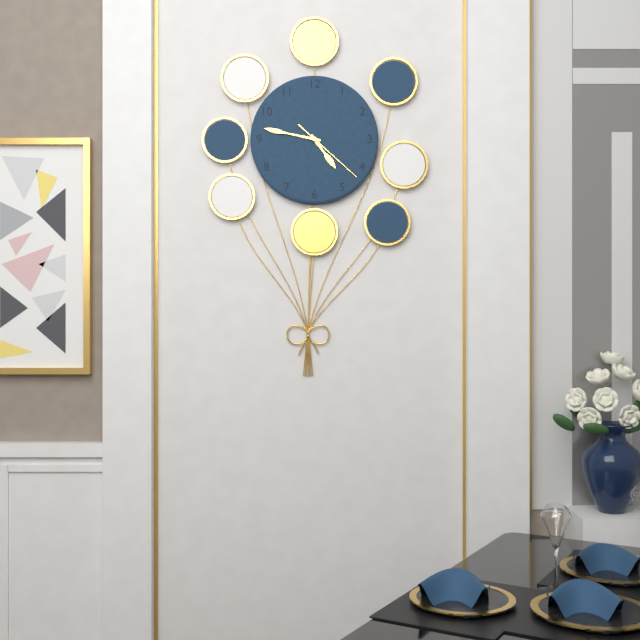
{"hour": 4, "minute": 47, "second": 22}
